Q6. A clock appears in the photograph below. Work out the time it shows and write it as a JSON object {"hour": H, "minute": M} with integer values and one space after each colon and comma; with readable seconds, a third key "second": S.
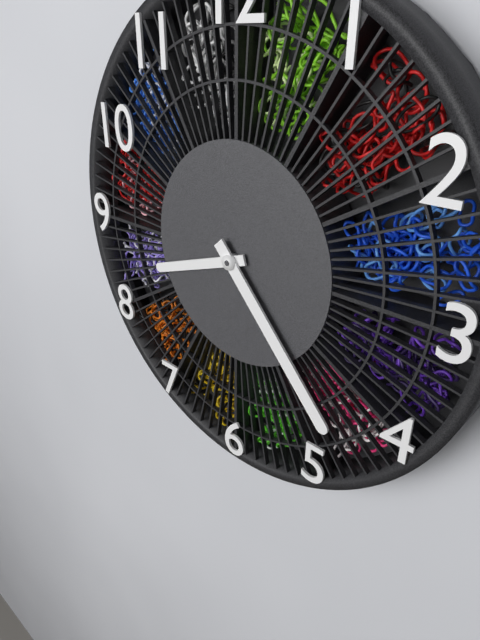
{"hour": 8, "minute": 23}
